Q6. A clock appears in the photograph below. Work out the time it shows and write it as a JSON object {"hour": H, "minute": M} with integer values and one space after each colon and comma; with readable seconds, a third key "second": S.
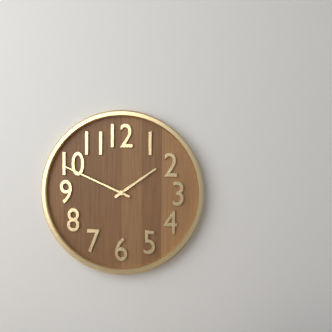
{"hour": 1, "minute": 49}
